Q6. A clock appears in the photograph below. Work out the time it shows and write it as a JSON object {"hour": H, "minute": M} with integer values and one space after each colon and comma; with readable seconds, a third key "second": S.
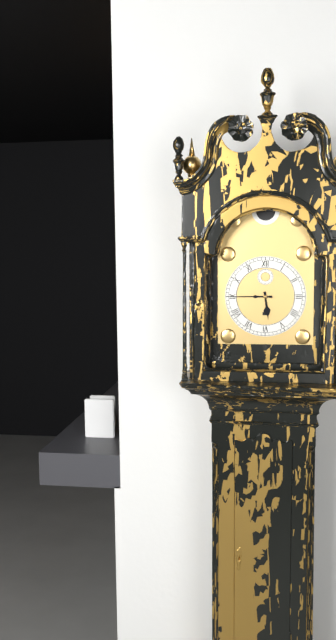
{"hour": 5, "minute": 45}
